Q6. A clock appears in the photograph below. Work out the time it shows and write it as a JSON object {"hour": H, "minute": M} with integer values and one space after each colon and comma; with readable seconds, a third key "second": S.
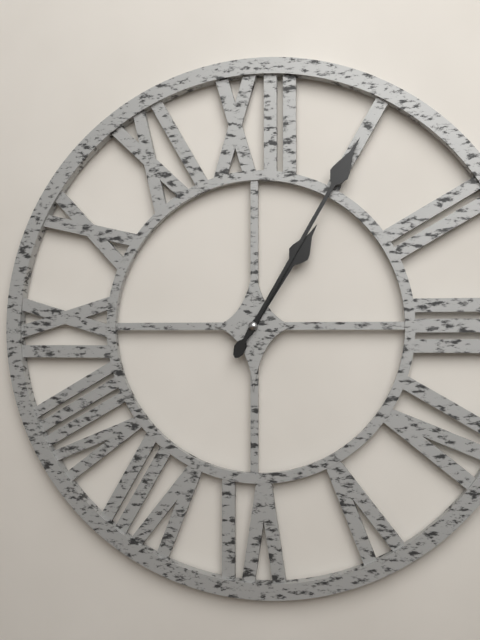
{"hour": 1, "minute": 5}
